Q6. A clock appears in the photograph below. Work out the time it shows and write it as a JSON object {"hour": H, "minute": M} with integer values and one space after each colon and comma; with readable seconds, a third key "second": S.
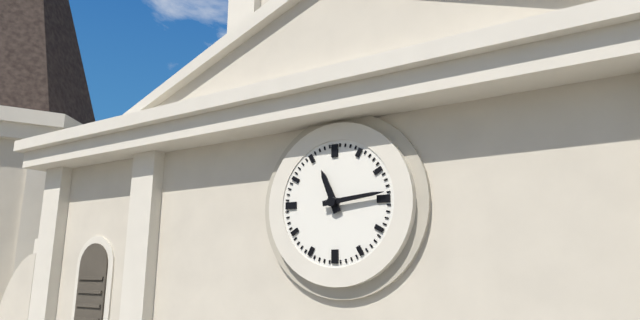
{"hour": 11, "minute": 14}
